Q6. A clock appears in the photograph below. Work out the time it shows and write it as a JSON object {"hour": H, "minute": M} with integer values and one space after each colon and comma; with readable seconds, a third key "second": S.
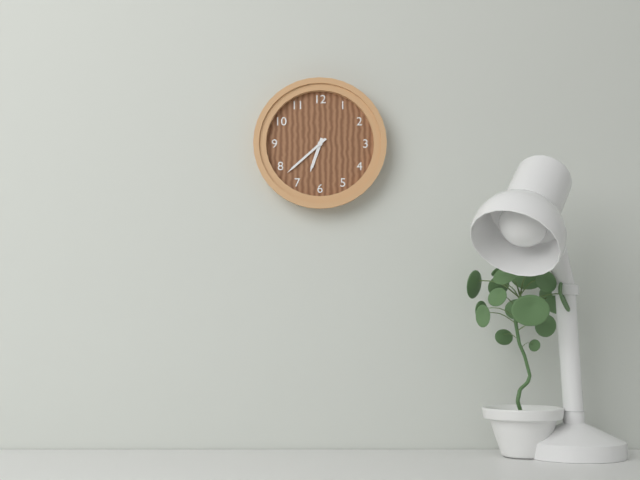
{"hour": 6, "minute": 38}
